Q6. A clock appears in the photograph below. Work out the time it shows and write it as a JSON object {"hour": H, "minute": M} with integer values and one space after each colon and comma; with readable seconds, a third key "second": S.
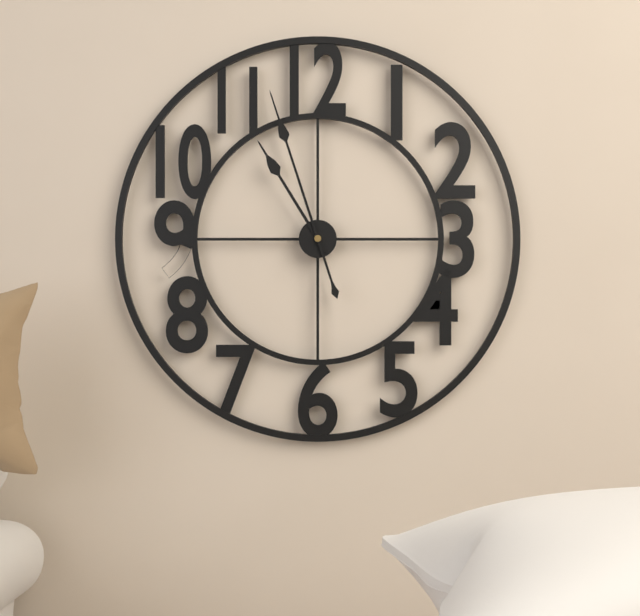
{"hour": 10, "minute": 57}
